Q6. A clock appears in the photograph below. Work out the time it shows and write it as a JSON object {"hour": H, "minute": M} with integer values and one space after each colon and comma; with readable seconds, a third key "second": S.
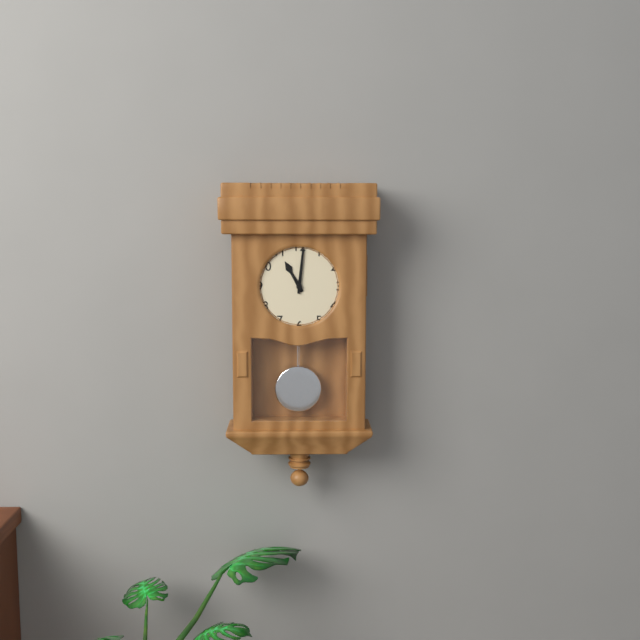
{"hour": 11, "minute": 1}
